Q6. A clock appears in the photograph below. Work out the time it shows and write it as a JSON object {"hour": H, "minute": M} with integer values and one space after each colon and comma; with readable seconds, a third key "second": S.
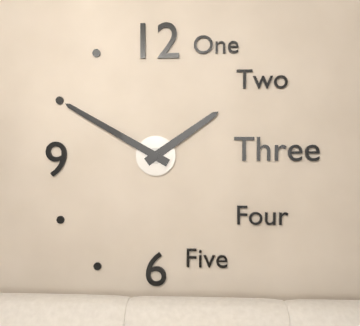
{"hour": 1, "minute": 50}
